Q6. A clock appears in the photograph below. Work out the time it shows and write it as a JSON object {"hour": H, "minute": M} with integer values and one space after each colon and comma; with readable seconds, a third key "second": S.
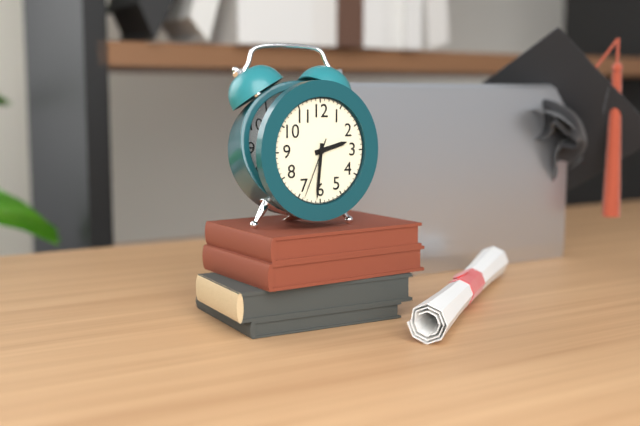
{"hour": 2, "minute": 31, "second": 34}
